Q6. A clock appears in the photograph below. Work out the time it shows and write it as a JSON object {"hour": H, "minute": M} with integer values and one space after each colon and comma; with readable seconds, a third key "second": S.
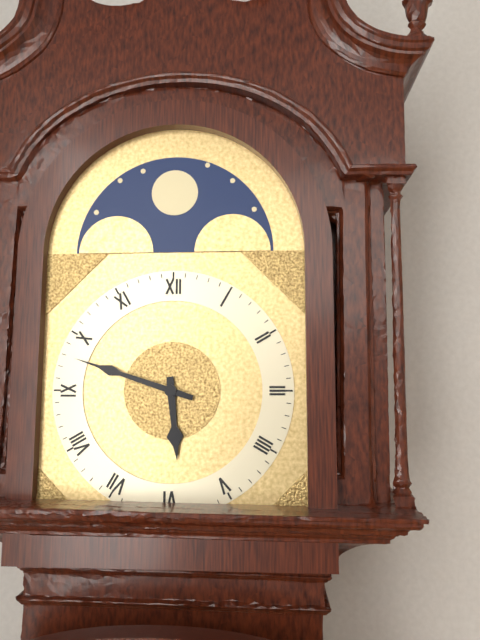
{"hour": 5, "minute": 48}
